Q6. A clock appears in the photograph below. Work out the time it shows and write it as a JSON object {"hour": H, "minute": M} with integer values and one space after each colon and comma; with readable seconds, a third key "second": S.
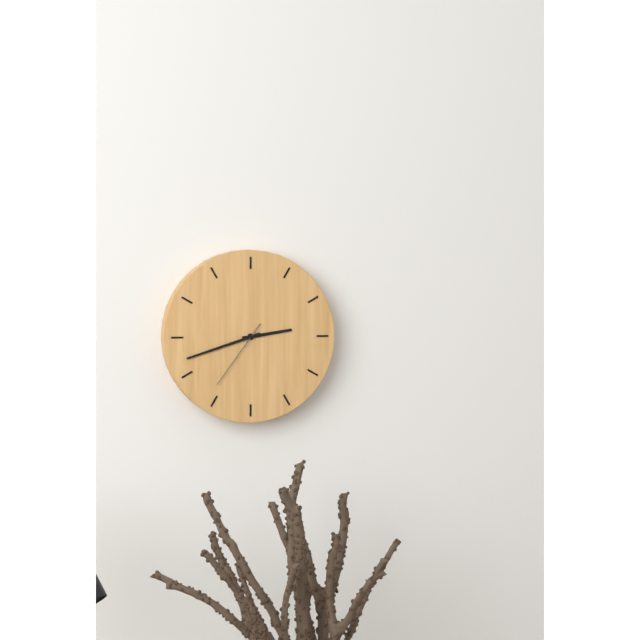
{"hour": 2, "minute": 42, "second": 36}
